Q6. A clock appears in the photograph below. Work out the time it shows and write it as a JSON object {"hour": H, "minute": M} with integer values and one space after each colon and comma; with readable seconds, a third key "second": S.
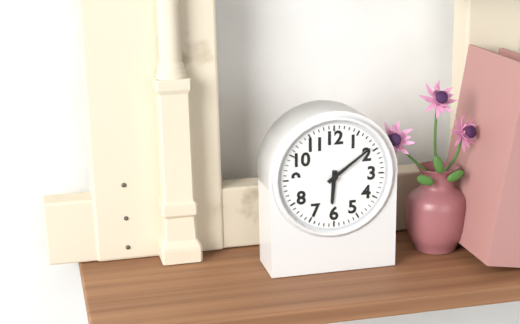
{"hour": 6, "minute": 9}
